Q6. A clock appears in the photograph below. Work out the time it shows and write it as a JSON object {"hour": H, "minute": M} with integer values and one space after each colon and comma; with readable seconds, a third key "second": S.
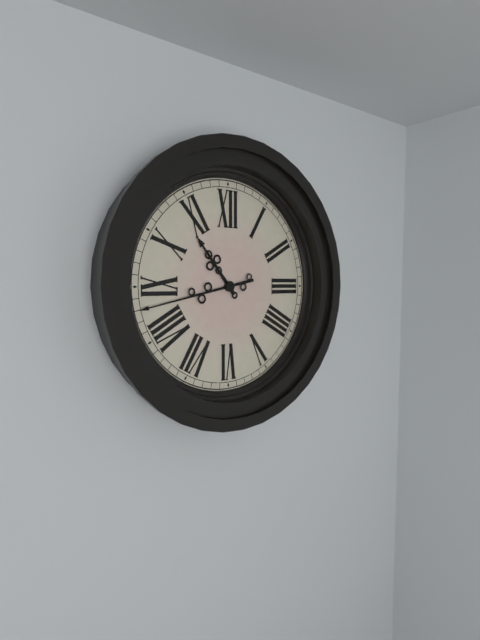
{"hour": 10, "minute": 43}
